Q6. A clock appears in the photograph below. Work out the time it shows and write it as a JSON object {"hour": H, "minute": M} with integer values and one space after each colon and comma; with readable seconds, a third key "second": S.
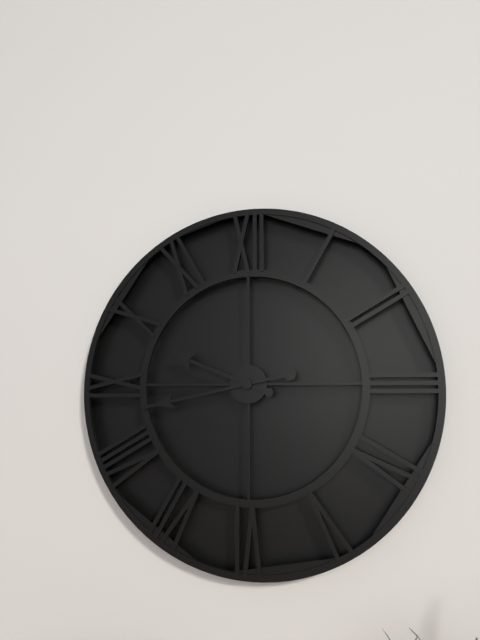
{"hour": 9, "minute": 43}
